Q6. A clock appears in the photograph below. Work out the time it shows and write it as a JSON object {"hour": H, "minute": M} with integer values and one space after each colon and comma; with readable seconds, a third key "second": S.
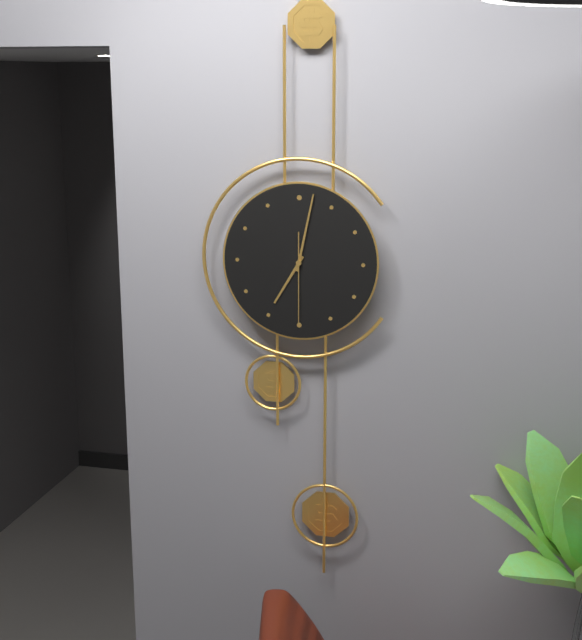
{"hour": 7, "minute": 2, "second": 30}
